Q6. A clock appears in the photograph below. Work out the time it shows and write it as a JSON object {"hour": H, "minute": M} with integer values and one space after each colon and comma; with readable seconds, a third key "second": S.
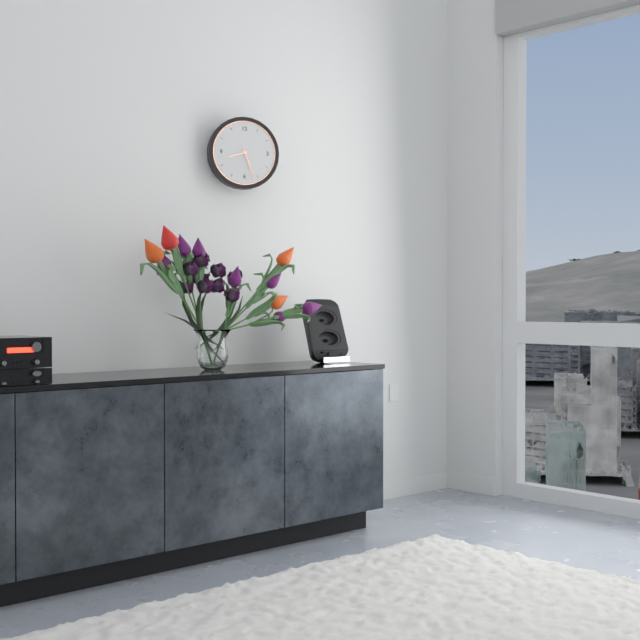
{"hour": 8, "minute": 26}
